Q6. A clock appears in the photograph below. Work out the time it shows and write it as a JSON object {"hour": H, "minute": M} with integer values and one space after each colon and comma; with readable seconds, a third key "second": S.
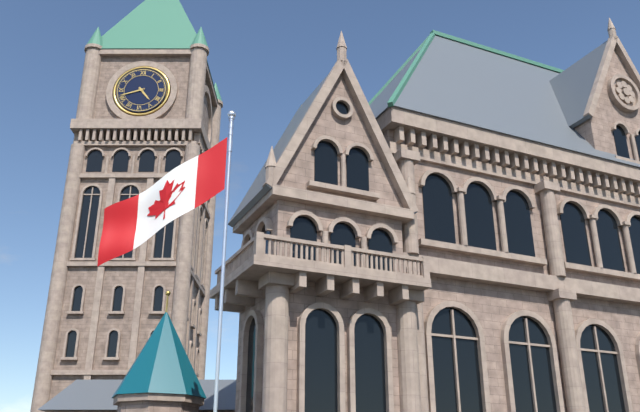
{"hour": 4, "minute": 42}
